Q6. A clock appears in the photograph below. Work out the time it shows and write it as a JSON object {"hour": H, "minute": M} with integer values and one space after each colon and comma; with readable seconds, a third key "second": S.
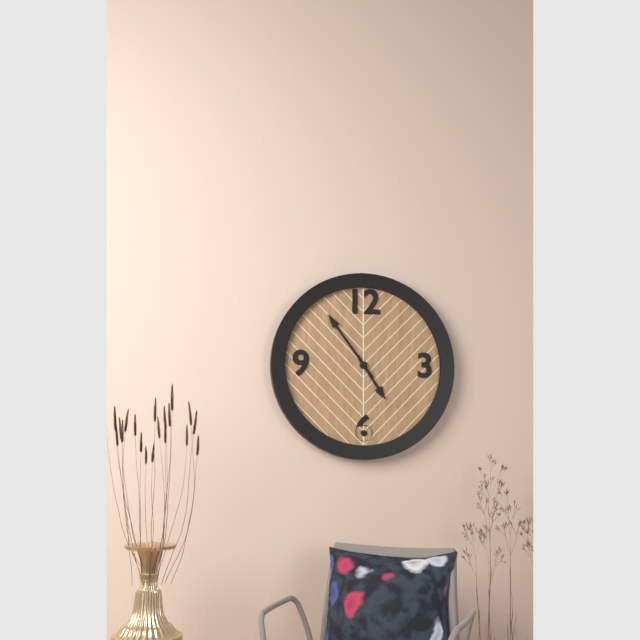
{"hour": 4, "minute": 54}
